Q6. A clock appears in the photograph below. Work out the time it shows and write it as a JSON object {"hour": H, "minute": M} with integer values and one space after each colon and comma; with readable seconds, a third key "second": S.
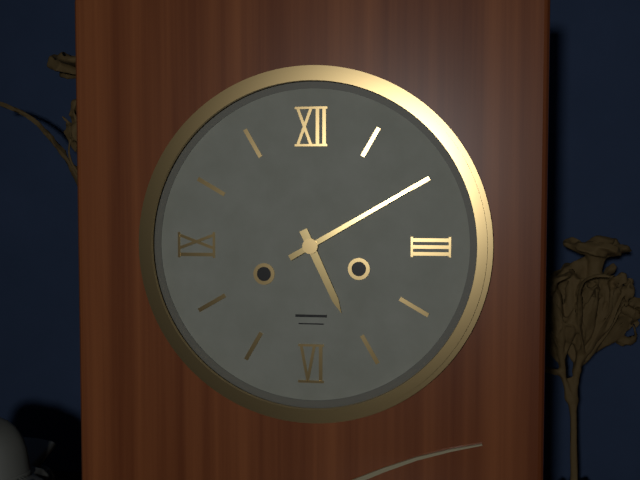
{"hour": 5, "minute": 10}
